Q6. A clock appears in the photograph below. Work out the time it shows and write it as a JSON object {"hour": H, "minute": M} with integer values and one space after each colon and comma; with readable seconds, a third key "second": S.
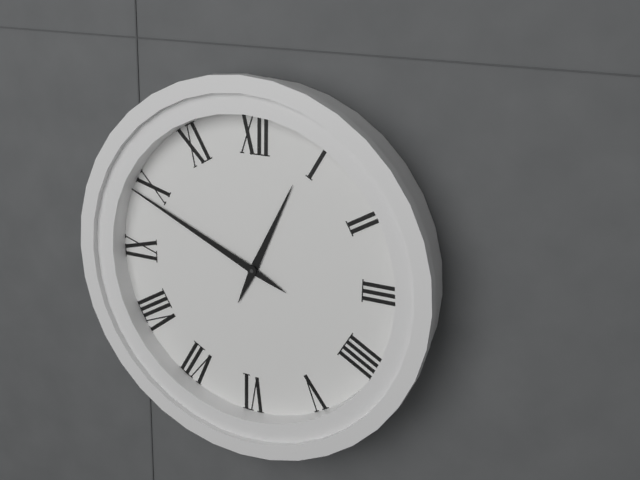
{"hour": 12, "minute": 49}
